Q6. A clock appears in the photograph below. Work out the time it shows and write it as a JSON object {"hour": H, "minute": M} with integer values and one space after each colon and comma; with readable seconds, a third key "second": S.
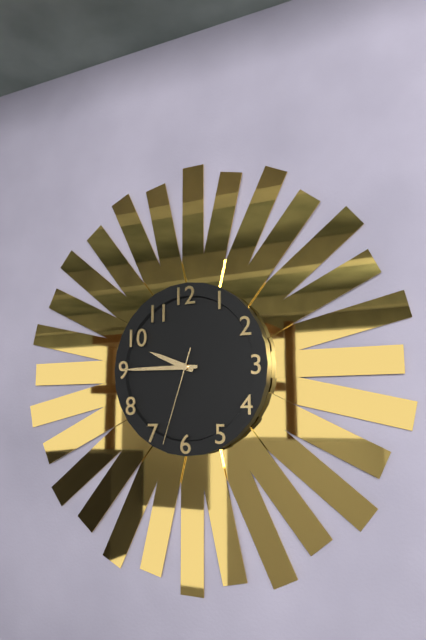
{"hour": 9, "minute": 45, "second": 33}
